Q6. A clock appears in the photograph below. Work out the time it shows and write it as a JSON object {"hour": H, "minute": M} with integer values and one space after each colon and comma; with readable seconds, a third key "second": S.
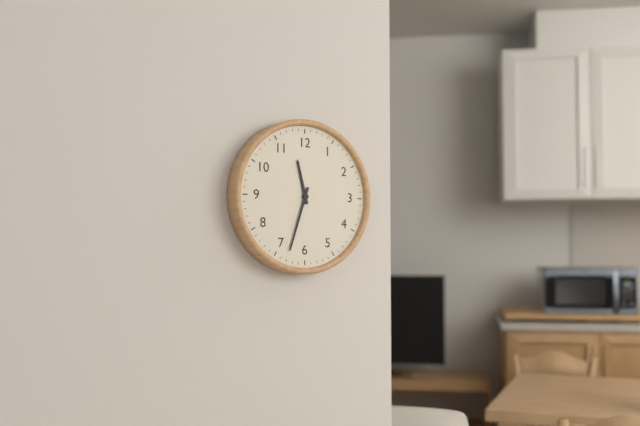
{"hour": 11, "minute": 33}
